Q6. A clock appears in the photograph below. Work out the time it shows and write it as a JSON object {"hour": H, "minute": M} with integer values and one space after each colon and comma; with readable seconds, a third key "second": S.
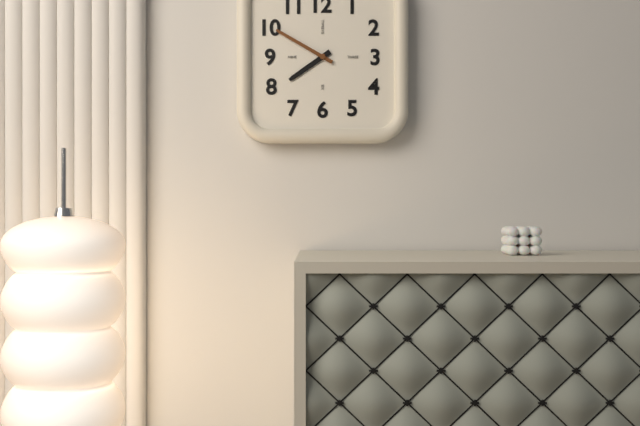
{"hour": 7, "minute": 50}
